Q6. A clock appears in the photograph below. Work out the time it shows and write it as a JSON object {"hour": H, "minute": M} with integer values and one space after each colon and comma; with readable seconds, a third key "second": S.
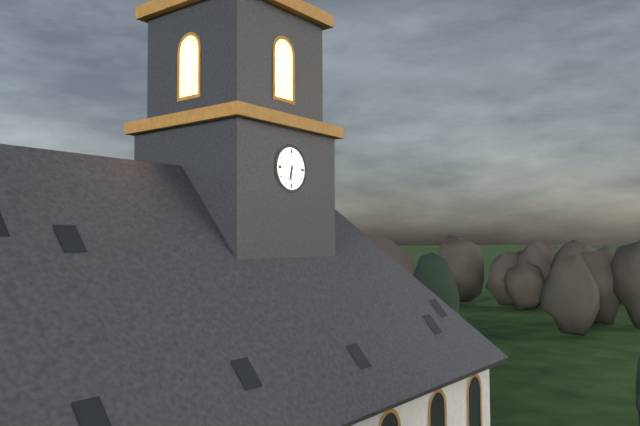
{"hour": 6, "minute": 31}
